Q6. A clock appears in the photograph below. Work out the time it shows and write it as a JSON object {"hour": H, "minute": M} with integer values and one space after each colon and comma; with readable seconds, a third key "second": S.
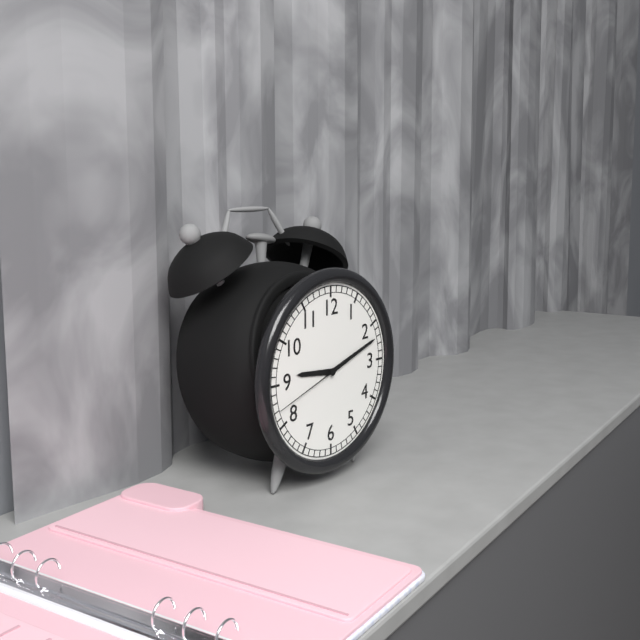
{"hour": 9, "minute": 12, "second": 42}
